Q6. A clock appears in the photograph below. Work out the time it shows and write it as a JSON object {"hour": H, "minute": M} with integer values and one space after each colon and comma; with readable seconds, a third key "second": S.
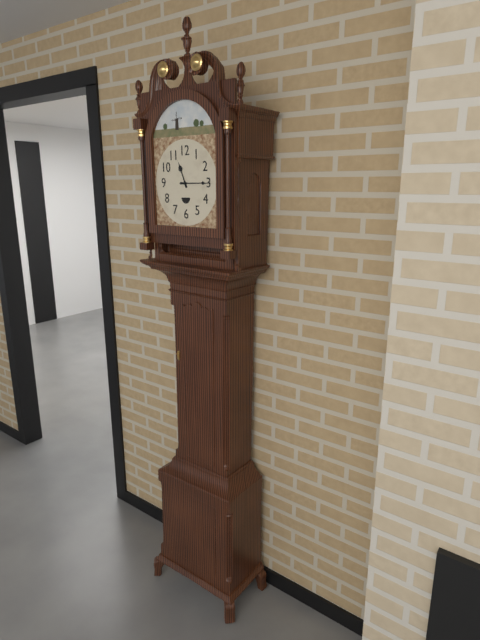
{"hour": 11, "minute": 15}
